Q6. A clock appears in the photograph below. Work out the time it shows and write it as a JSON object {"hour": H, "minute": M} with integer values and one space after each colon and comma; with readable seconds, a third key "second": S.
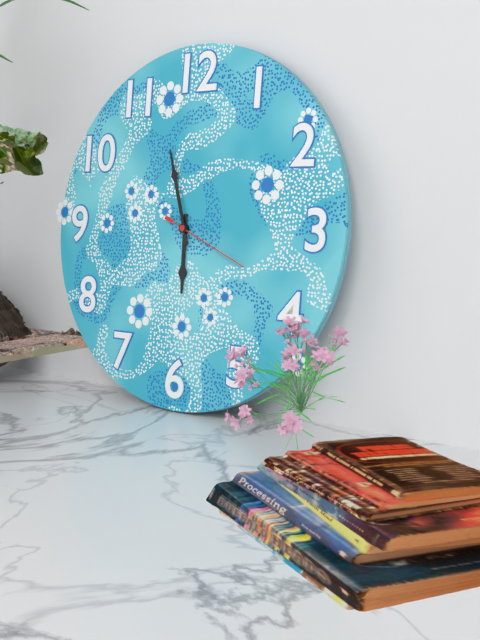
{"hour": 5, "minute": 57, "second": 19}
